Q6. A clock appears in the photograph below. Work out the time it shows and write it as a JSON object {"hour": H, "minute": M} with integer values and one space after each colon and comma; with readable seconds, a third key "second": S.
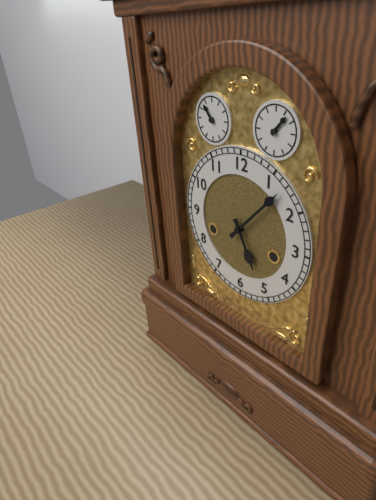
{"hour": 5, "minute": 7}
